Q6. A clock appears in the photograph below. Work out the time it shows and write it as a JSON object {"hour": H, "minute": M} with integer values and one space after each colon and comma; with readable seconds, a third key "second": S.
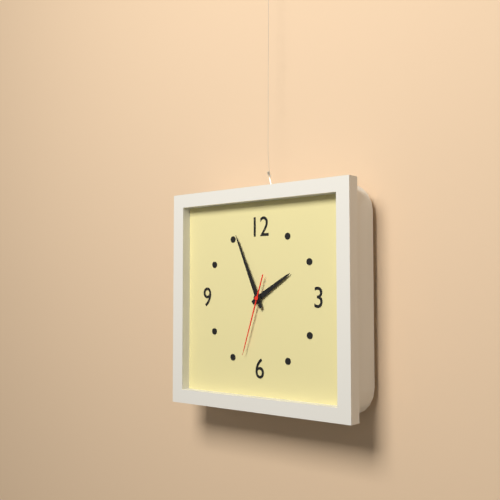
{"hour": 1, "minute": 56, "second": 33}
